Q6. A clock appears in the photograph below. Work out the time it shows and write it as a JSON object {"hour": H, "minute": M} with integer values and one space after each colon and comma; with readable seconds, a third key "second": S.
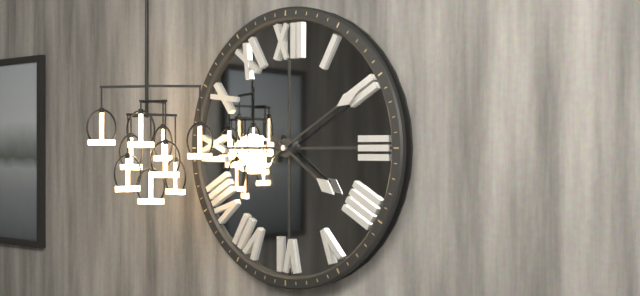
{"hour": 4, "minute": 10}
